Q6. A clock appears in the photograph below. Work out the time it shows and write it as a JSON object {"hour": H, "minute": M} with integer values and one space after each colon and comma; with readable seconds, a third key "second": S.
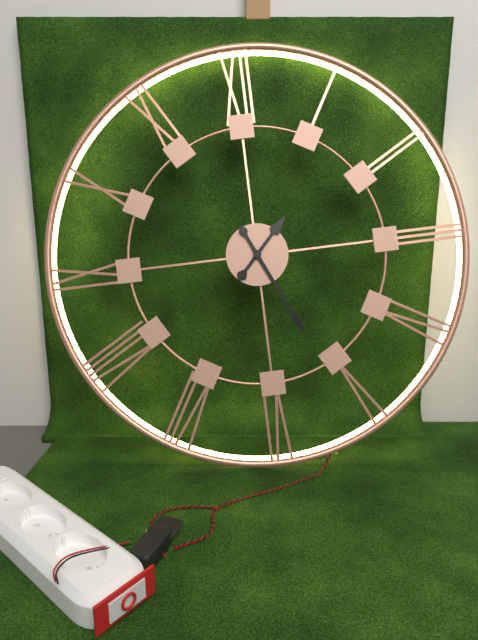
{"hour": 1, "minute": 26}
